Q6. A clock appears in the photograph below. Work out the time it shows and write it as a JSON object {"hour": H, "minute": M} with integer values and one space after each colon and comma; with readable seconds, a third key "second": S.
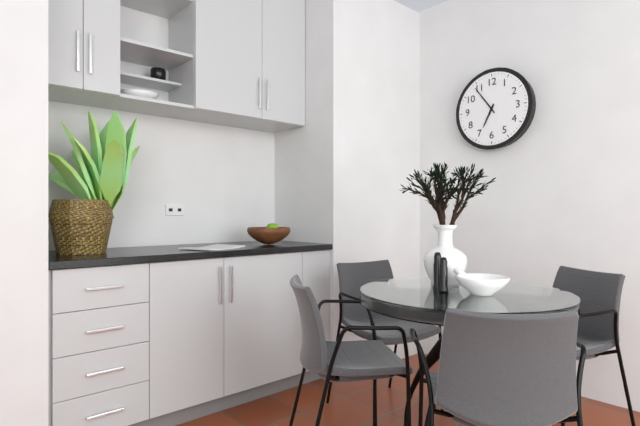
{"hour": 6, "minute": 54}
